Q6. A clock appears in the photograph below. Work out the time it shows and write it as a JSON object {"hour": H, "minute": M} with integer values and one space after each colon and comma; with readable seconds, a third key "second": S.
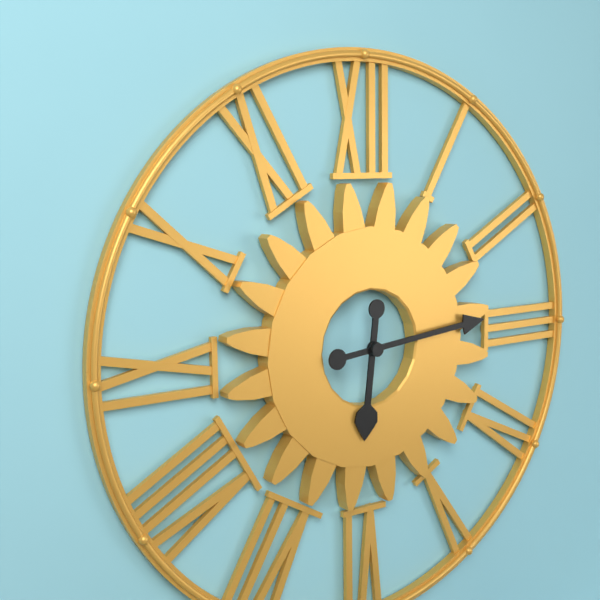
{"hour": 6, "minute": 14}
